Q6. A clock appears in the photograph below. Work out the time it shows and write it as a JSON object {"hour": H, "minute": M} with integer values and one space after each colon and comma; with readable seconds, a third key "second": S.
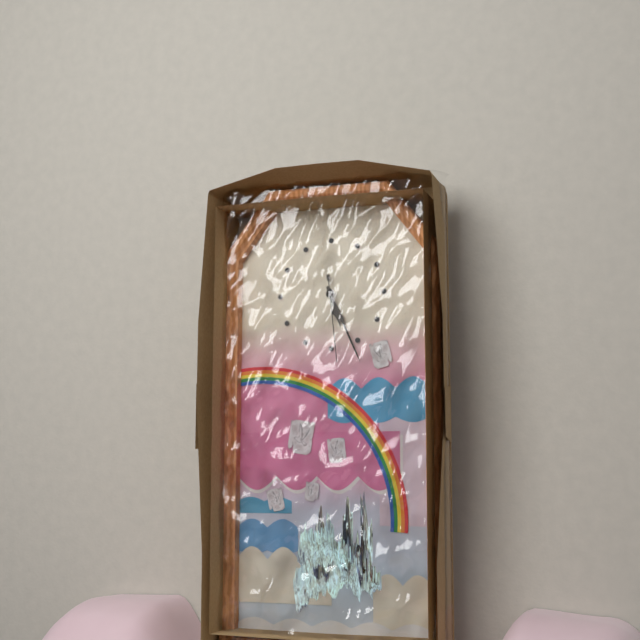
{"hour": 5, "minute": 26, "second": 29}
